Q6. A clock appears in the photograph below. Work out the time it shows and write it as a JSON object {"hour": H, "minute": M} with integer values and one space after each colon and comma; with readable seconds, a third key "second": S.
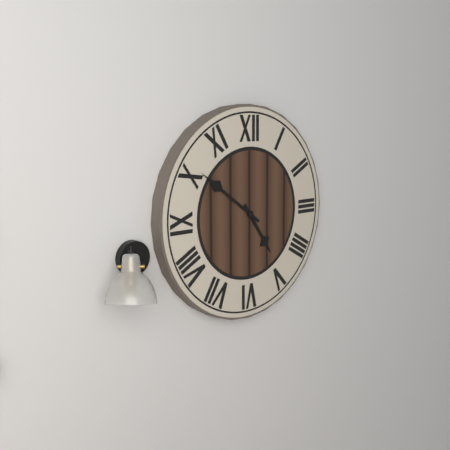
{"hour": 4, "minute": 51}
